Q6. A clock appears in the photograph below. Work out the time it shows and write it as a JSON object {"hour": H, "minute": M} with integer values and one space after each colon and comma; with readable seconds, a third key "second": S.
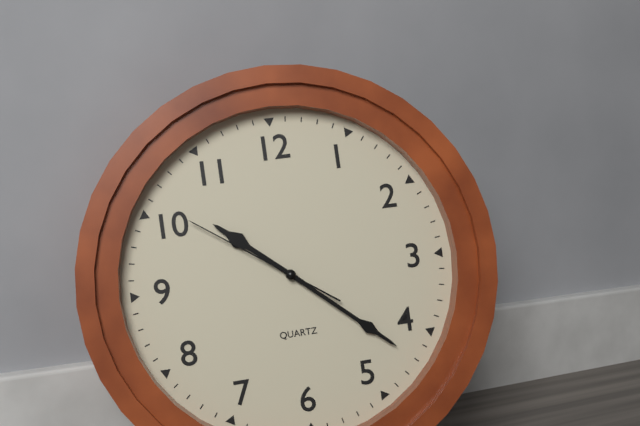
{"hour": 10, "minute": 22, "second": 51}
